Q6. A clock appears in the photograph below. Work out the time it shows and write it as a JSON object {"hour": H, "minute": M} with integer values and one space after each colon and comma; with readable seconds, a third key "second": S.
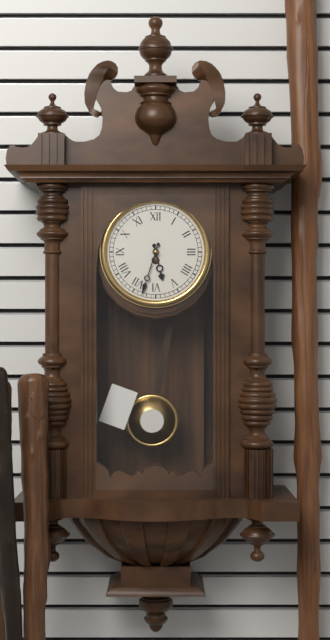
{"hour": 5, "minute": 33}
